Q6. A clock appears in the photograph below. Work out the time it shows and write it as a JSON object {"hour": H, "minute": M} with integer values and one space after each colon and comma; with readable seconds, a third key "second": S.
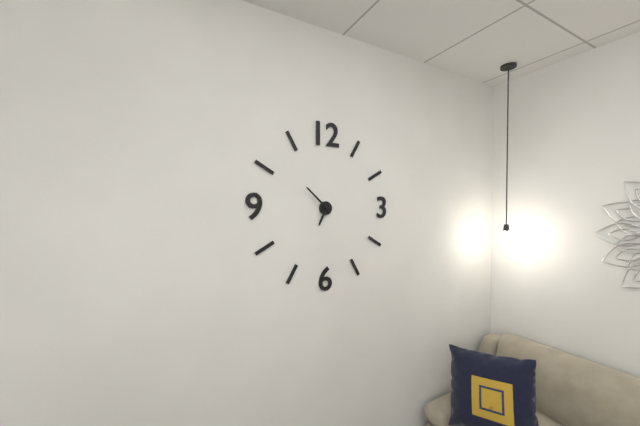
{"hour": 6, "minute": 52}
